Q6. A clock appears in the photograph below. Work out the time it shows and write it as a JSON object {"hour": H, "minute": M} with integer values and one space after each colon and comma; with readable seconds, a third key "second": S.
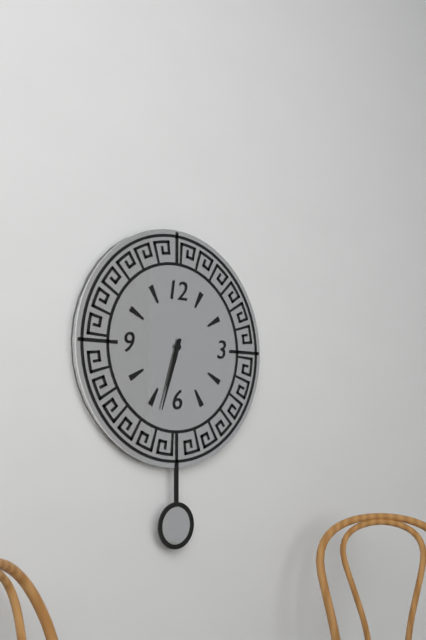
{"hour": 6, "minute": 33}
